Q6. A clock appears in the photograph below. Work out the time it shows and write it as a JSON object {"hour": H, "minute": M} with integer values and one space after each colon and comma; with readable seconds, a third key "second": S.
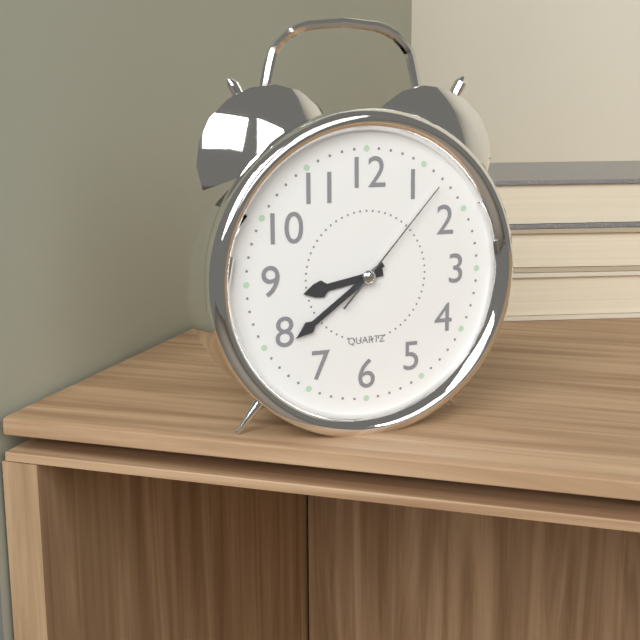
{"hour": 8, "minute": 39, "second": 7}
